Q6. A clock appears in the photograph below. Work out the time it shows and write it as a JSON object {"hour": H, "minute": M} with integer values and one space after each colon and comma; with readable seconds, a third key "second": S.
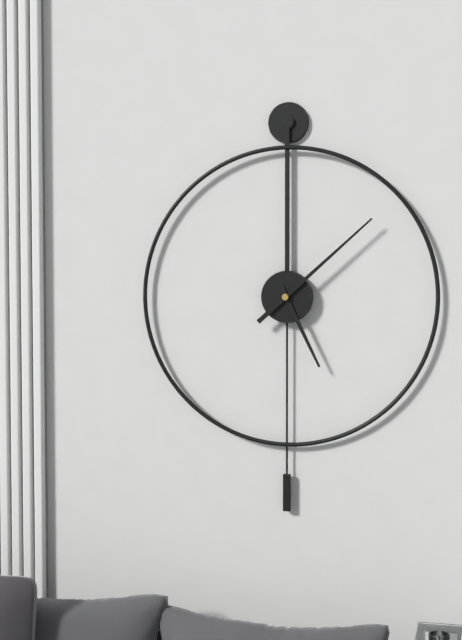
{"hour": 5, "minute": 8}
